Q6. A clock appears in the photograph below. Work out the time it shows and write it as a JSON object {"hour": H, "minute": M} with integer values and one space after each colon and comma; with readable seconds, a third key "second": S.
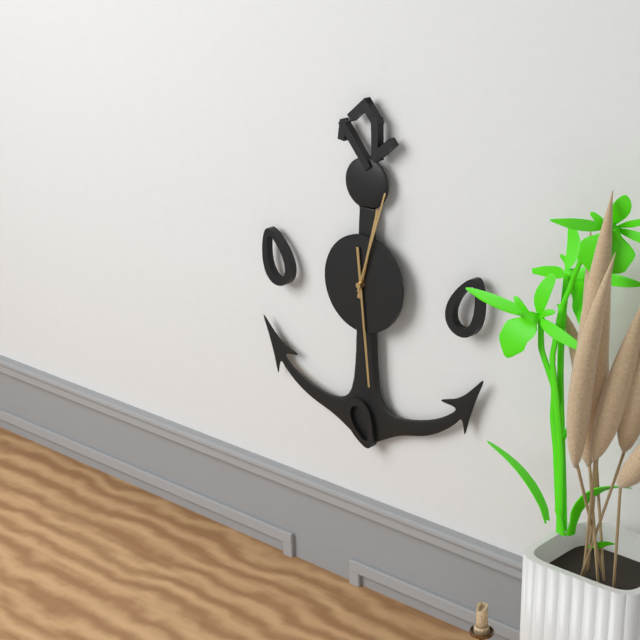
{"hour": 12, "minute": 29, "second": 3}
